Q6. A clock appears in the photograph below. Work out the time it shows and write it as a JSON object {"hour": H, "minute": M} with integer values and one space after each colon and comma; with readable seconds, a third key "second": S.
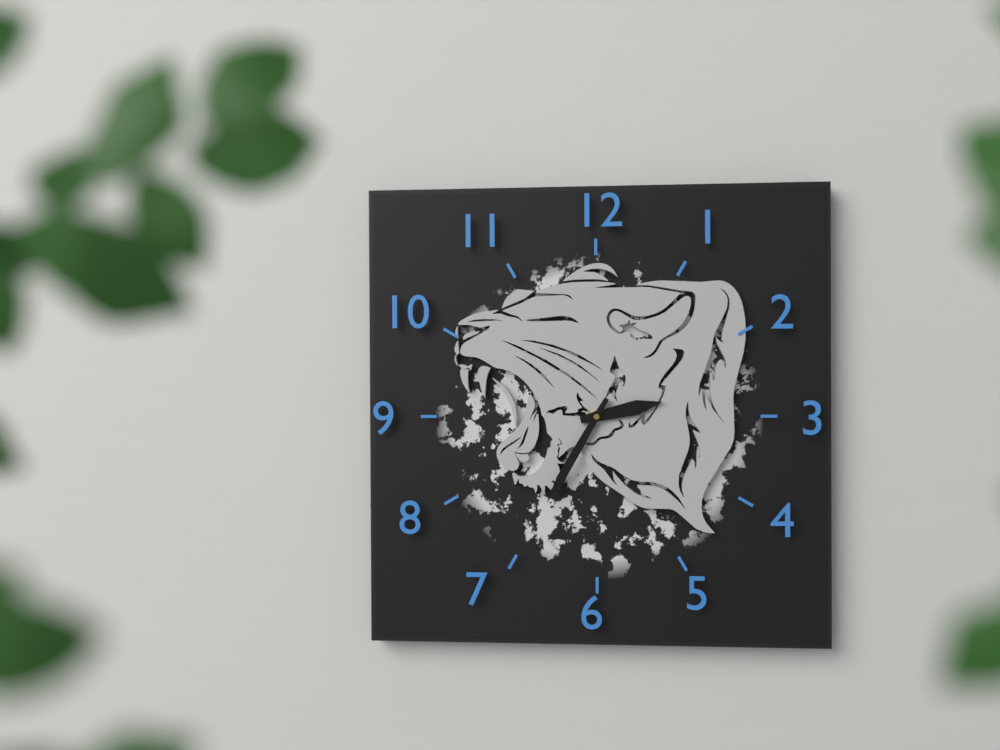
{"hour": 2, "minute": 35}
